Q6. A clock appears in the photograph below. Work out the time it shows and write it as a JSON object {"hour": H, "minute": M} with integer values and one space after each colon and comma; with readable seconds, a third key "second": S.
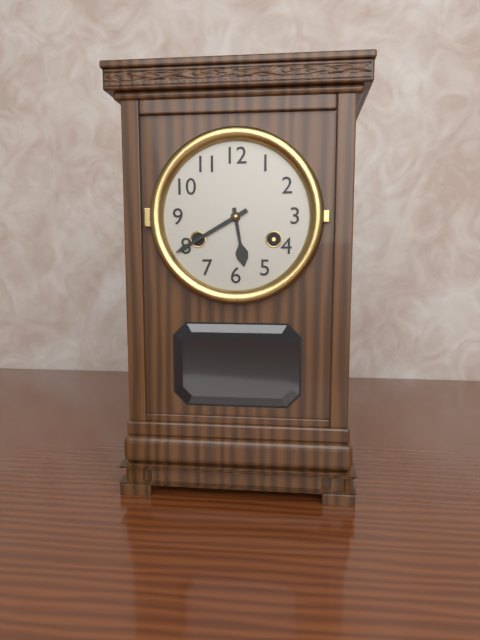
{"hour": 5, "minute": 40}
